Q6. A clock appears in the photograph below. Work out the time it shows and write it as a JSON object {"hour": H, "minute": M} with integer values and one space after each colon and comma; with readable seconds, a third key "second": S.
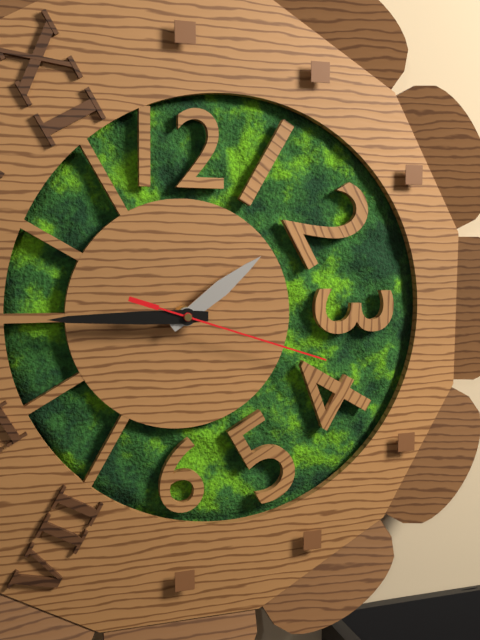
{"hour": 1, "minute": 45, "second": 18}
